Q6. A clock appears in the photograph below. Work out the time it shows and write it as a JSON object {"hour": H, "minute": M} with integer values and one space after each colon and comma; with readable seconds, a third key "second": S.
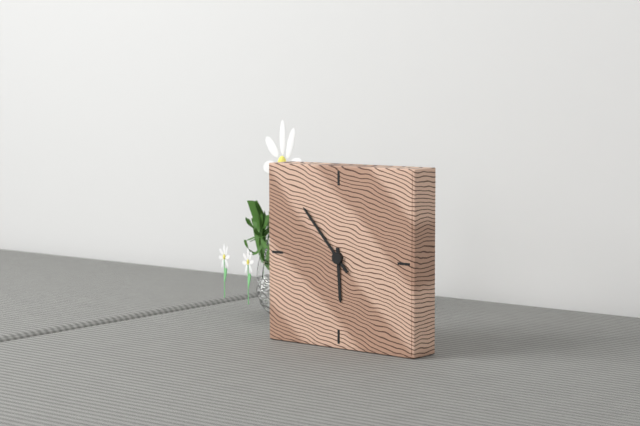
{"hour": 5, "minute": 53}
